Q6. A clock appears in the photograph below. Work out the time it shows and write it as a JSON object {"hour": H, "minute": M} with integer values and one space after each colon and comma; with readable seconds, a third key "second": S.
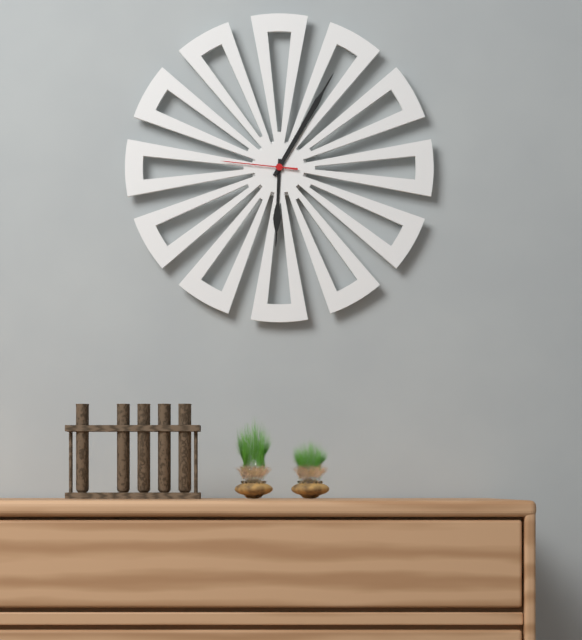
{"hour": 6, "minute": 5, "second": 46}
